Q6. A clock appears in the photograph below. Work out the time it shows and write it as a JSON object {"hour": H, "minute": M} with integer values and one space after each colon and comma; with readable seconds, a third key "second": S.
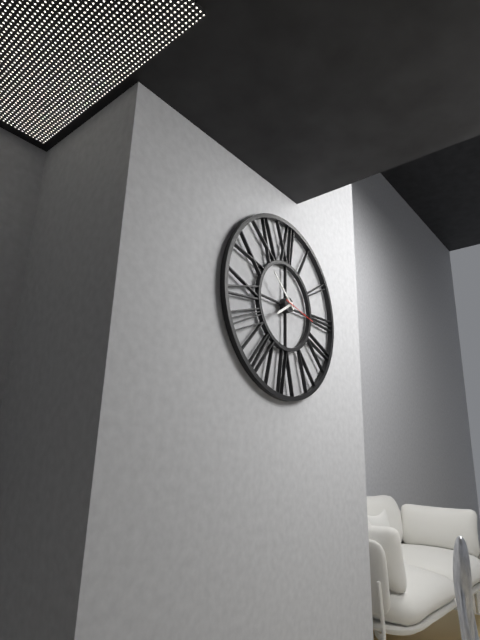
{"hour": 7, "minute": 52}
